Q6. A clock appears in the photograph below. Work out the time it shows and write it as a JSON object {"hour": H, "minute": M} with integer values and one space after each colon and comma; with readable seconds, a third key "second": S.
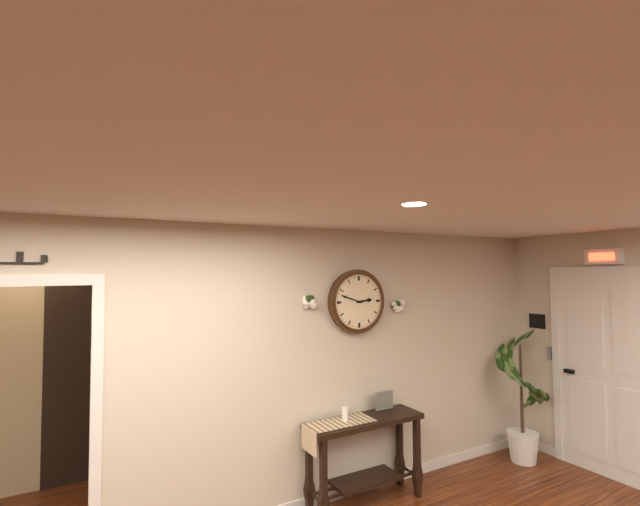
{"hour": 2, "minute": 48}
